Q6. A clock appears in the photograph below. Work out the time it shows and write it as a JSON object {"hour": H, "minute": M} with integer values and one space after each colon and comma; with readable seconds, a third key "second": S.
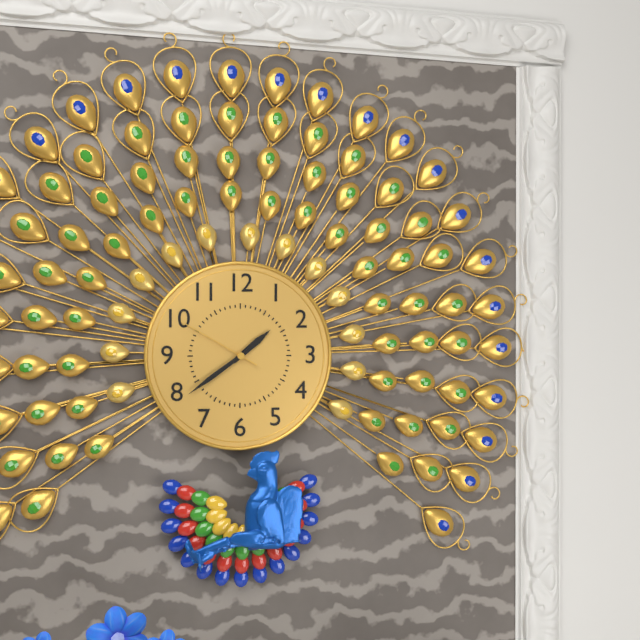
{"hour": 1, "minute": 39, "second": 50}
